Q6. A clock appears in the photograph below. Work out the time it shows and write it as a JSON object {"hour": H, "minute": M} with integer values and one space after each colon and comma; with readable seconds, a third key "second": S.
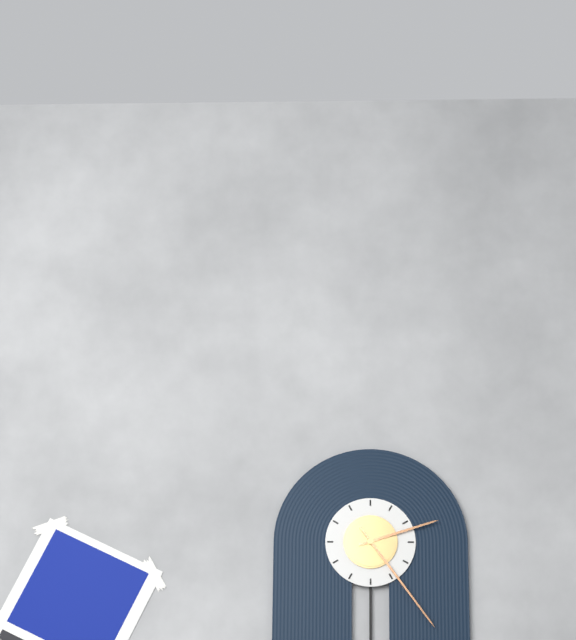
{"hour": 2, "minute": 24}
